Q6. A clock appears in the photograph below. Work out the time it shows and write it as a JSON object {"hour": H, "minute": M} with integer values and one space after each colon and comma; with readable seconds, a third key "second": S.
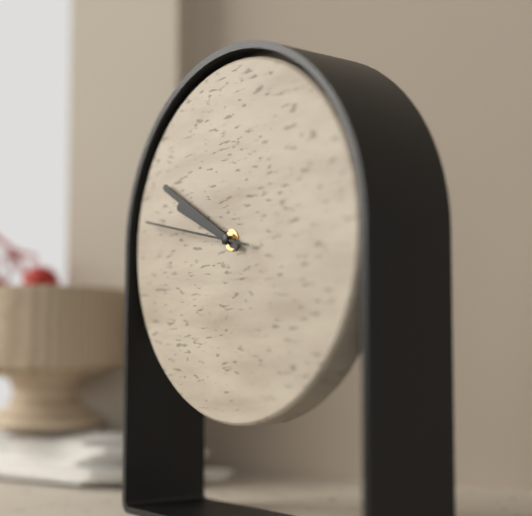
{"hour": 9, "minute": 50, "second": 47}
